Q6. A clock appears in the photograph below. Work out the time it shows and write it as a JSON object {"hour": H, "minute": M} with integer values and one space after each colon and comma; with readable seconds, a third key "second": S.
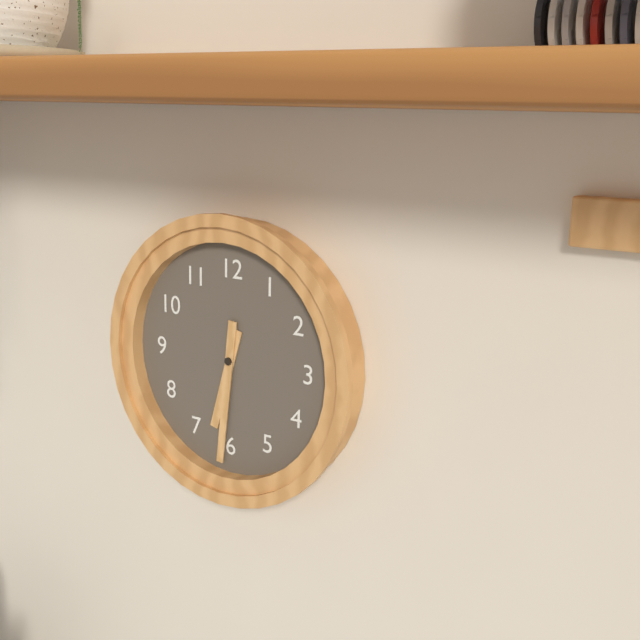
{"hour": 6, "minute": 31}
